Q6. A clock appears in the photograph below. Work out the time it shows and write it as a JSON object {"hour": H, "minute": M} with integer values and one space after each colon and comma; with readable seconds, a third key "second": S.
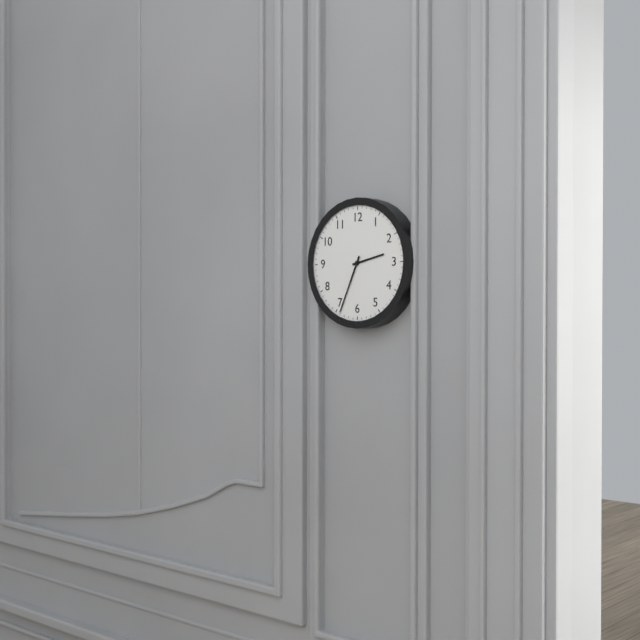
{"hour": 2, "minute": 34}
